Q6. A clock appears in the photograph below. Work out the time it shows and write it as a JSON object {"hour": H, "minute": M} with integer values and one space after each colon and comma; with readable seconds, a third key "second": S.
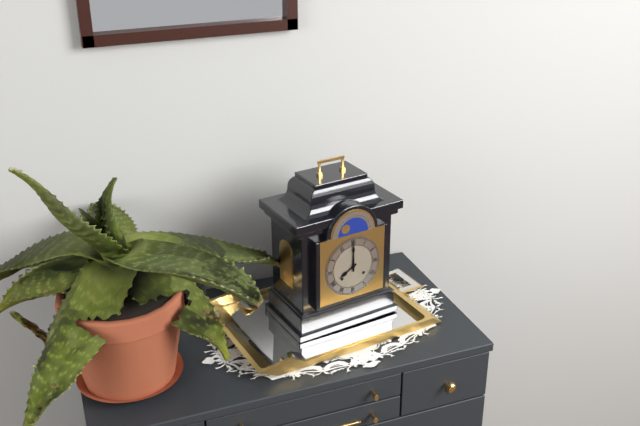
{"hour": 8, "minute": 0}
